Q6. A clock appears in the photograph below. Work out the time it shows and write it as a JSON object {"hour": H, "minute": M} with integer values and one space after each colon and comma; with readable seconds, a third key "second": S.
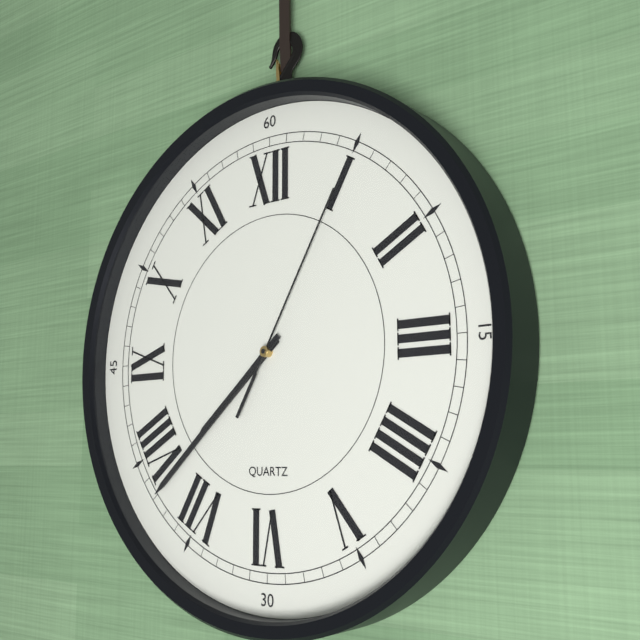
{"hour": 7, "minute": 38, "second": 5}
